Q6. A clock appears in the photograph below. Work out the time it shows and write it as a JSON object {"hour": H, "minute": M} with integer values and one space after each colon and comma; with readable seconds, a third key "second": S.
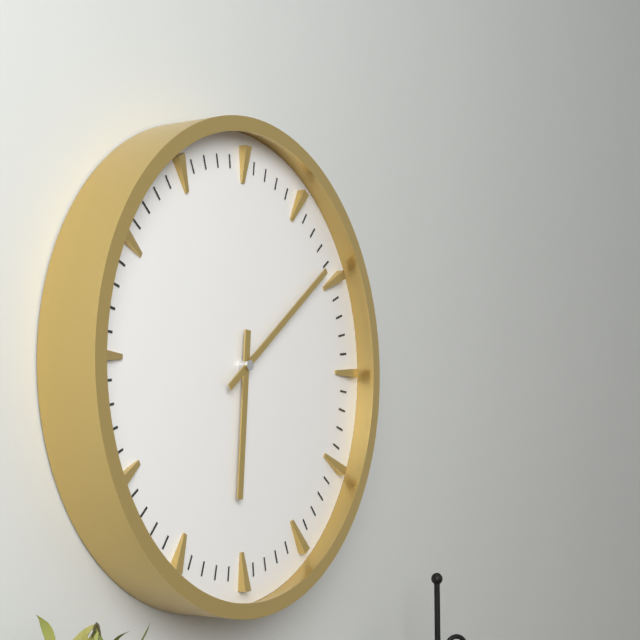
{"hour": 6, "minute": 9}
